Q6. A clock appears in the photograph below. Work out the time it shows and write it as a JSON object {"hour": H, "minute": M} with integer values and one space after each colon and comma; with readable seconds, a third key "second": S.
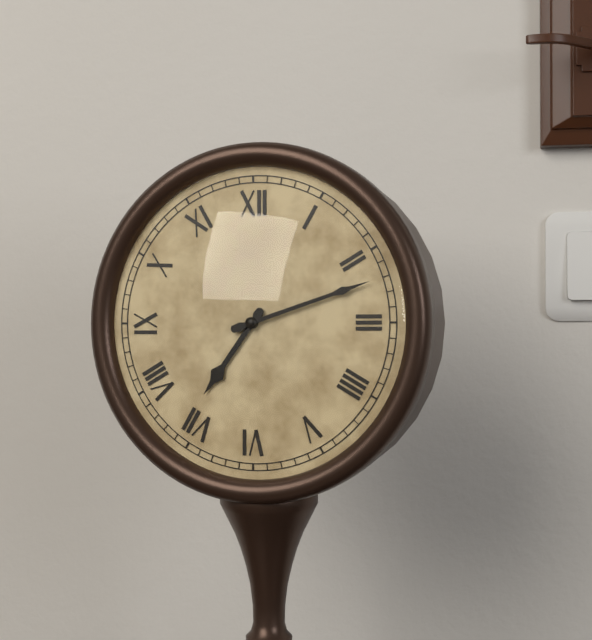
{"hour": 7, "minute": 12}
